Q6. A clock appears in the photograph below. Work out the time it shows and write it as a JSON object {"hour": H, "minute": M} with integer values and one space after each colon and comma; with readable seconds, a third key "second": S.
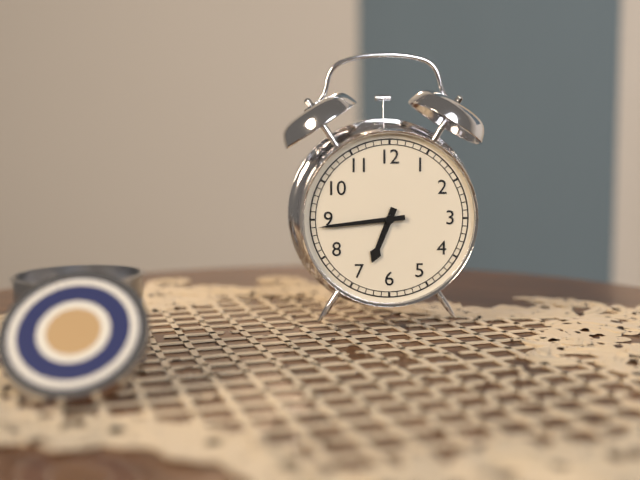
{"hour": 6, "minute": 44}
